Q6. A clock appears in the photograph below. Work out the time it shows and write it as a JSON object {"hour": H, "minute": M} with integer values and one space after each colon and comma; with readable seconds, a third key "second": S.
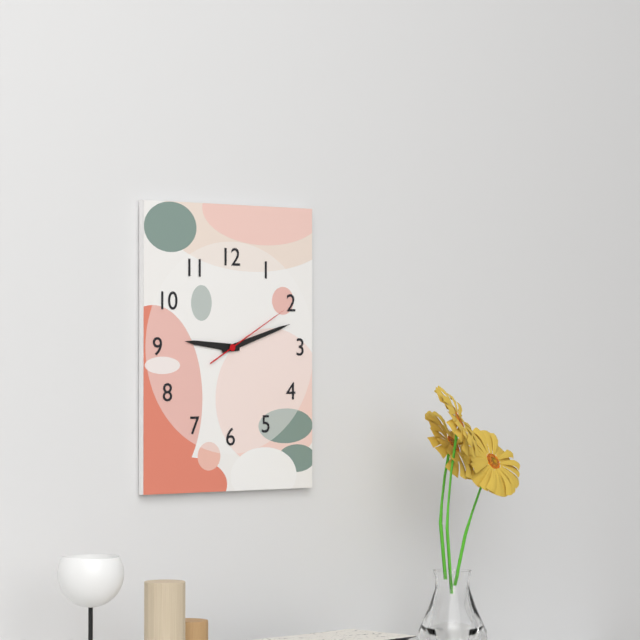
{"hour": 9, "minute": 12, "second": 10}
